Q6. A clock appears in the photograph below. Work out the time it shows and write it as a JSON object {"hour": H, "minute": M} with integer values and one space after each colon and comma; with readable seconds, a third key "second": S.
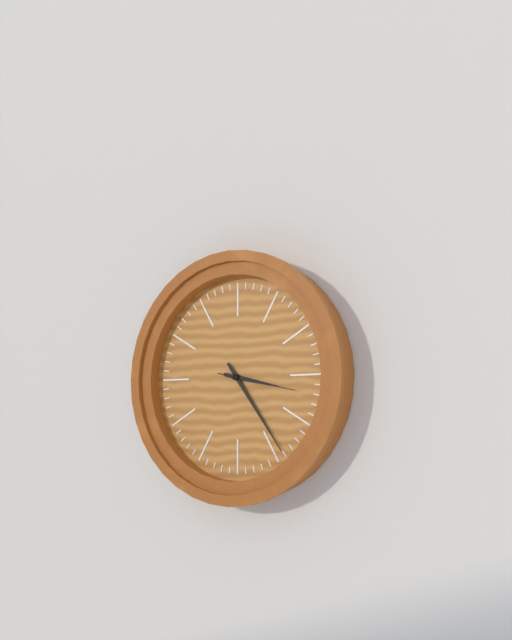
{"hour": 3, "minute": 24, "second": 17}
